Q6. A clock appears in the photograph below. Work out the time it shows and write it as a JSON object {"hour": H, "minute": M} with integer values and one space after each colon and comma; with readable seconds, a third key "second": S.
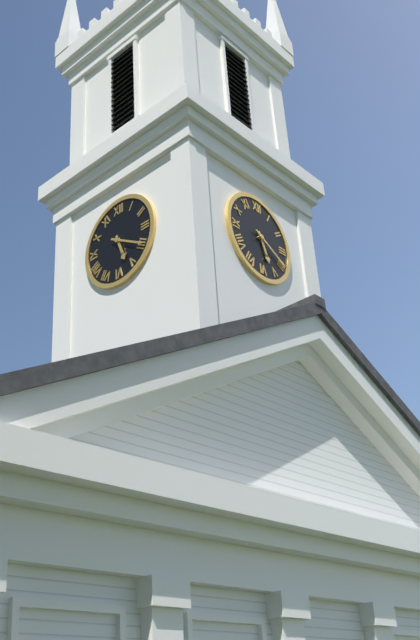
{"hour": 5, "minute": 20}
